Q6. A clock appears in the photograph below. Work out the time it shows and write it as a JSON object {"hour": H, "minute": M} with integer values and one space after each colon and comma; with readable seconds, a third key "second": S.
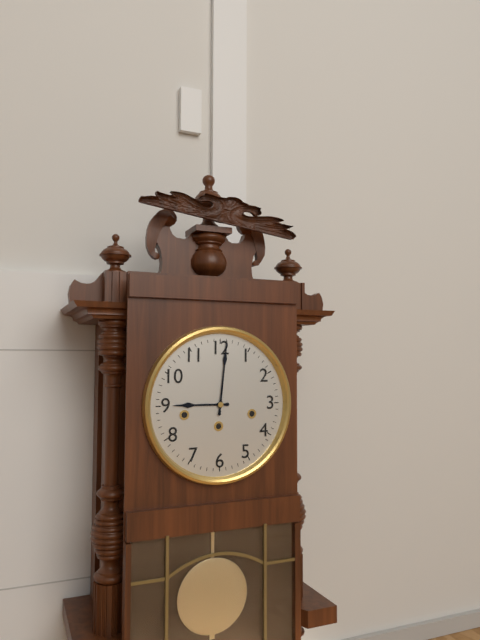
{"hour": 9, "minute": 1}
